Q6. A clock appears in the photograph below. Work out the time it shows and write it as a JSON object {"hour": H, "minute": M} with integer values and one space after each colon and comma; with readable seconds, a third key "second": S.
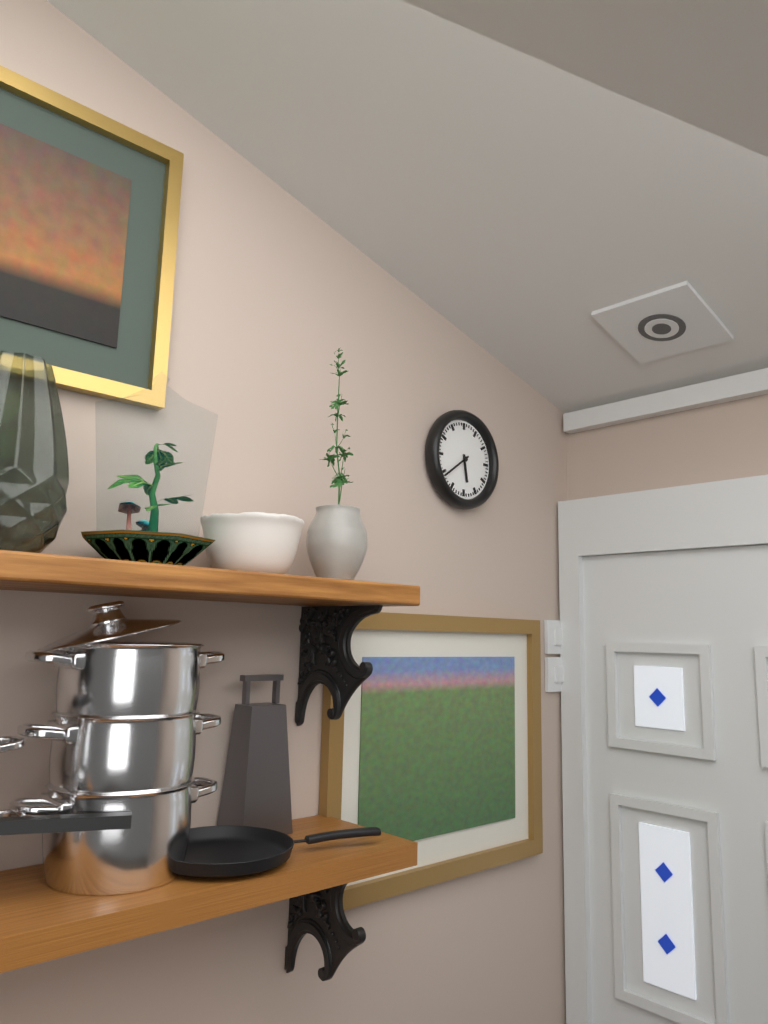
{"hour": 5, "minute": 39}
